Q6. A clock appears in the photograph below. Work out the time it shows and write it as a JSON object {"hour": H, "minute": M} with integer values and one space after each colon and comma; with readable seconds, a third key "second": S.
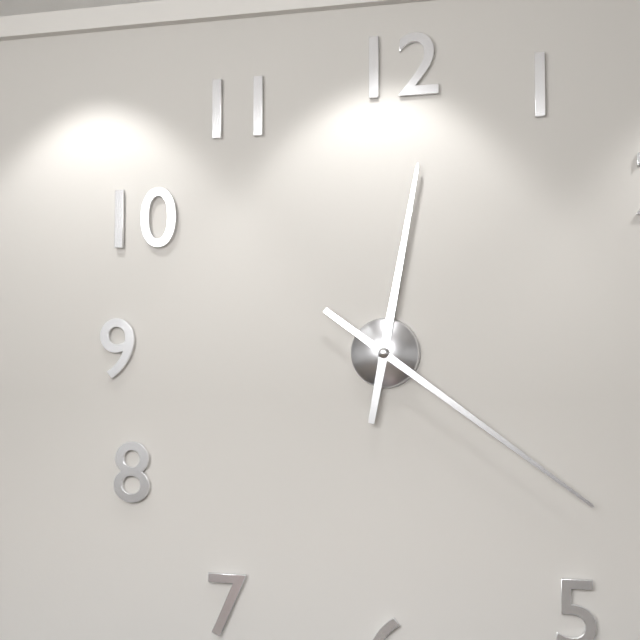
{"hour": 12, "minute": 21}
